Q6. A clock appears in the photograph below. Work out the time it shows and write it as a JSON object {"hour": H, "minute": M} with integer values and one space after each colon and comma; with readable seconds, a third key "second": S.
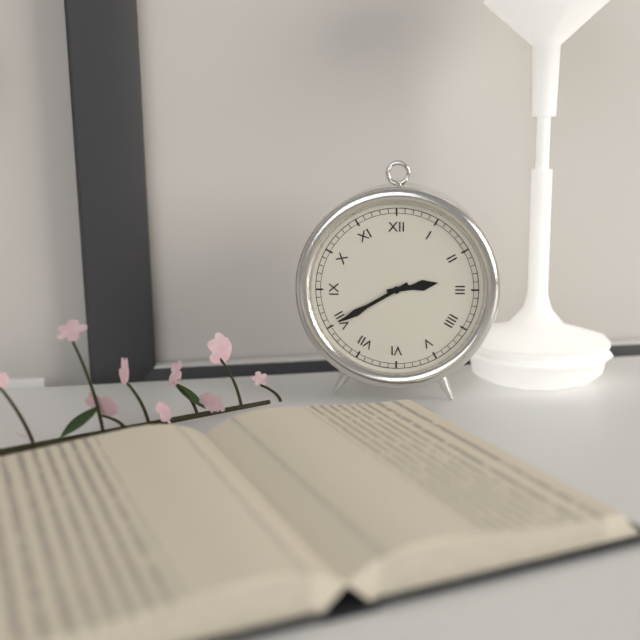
{"hour": 2, "minute": 40}
